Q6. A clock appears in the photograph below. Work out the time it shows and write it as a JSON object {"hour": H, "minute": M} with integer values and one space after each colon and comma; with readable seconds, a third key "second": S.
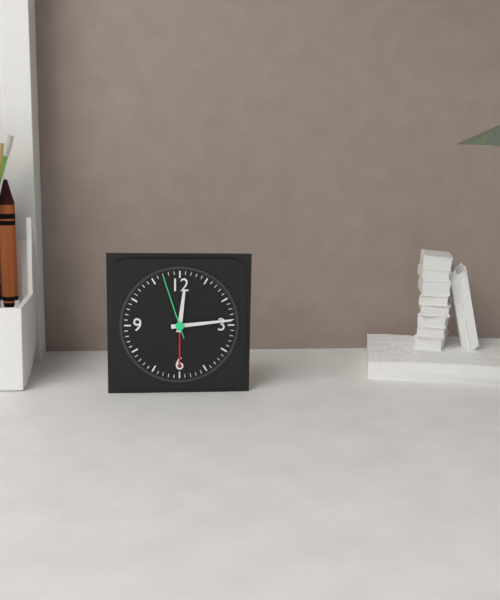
{"hour": 12, "minute": 14, "second": 57}
